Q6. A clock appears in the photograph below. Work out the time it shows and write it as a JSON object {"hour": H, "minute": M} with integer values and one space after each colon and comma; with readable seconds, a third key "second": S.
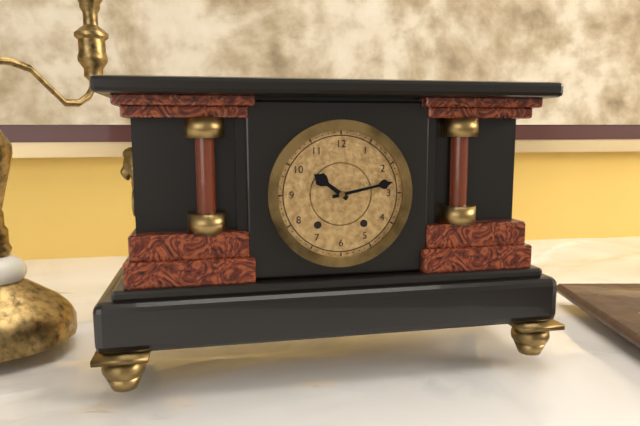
{"hour": 10, "minute": 13}
